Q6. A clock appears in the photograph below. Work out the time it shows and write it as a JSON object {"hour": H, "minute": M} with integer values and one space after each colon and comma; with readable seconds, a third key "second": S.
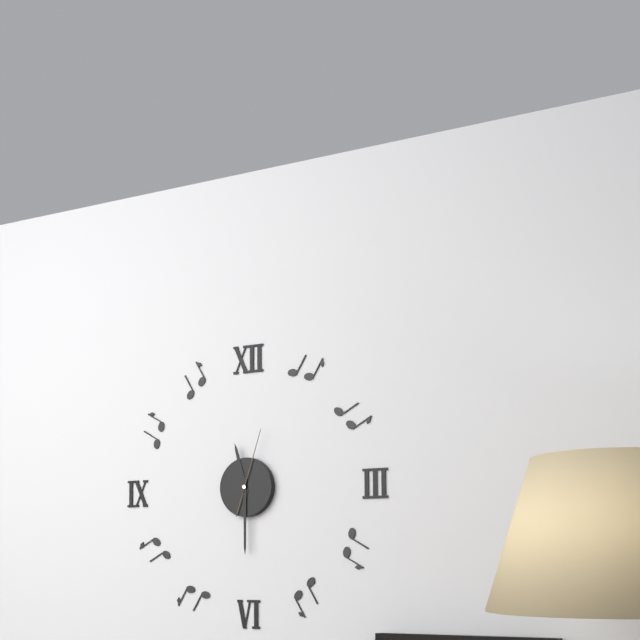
{"hour": 11, "minute": 30, "second": 3}
